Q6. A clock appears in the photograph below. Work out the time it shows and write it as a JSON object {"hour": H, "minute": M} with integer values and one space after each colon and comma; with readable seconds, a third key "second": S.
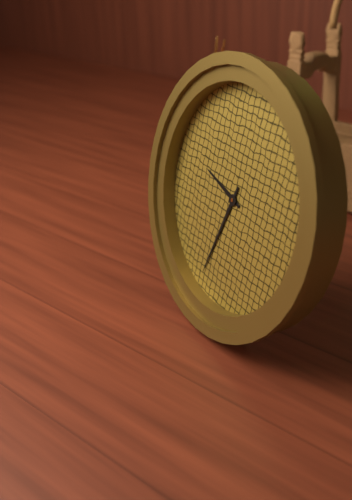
{"hour": 9, "minute": 33}
